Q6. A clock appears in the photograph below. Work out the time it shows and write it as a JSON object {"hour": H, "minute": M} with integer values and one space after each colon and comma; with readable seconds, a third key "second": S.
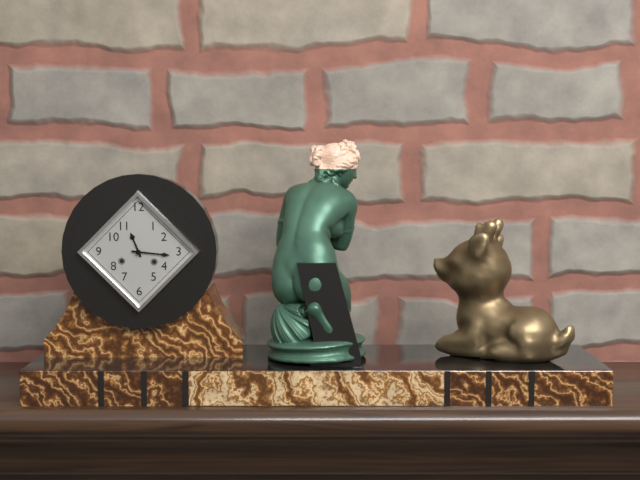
{"hour": 11, "minute": 16}
